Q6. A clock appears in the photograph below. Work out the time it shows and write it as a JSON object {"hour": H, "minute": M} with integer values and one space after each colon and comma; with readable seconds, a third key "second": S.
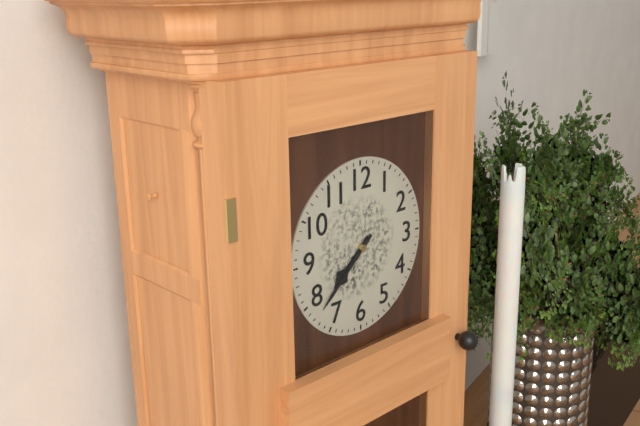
{"hour": 7, "minute": 38}
